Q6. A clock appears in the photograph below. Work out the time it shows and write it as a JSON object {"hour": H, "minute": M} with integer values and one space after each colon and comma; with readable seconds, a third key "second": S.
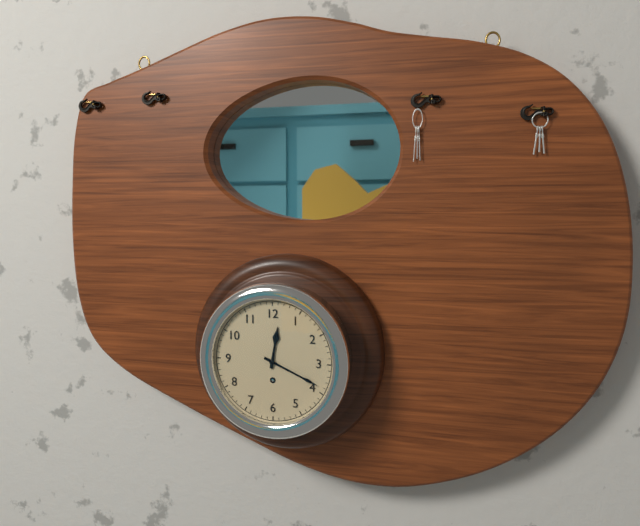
{"hour": 12, "minute": 19}
